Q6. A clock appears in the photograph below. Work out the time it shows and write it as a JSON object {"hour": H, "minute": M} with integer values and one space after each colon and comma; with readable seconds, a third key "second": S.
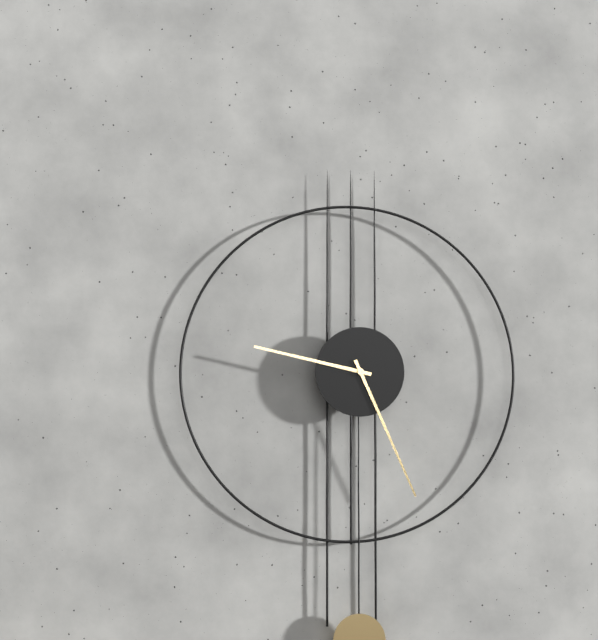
{"hour": 9, "minute": 26}
